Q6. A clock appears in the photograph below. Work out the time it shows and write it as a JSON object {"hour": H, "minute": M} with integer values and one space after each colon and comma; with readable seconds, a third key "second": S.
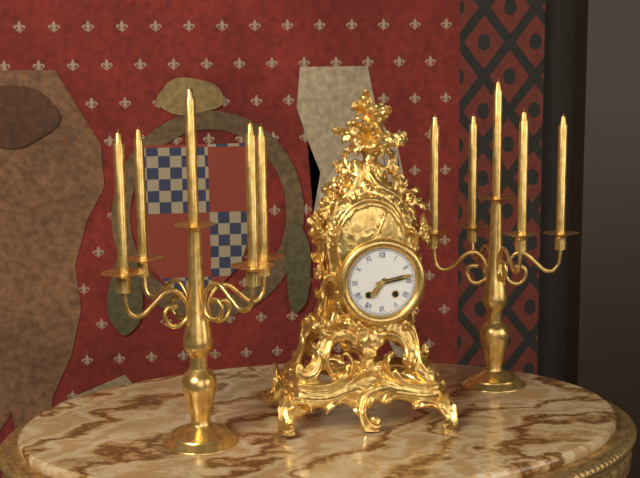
{"hour": 7, "minute": 13}
